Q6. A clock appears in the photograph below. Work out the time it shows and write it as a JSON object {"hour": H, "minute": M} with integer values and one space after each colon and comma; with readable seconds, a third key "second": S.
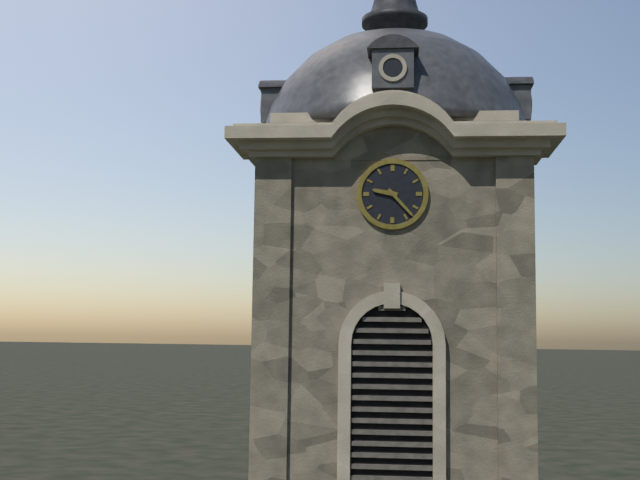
{"hour": 9, "minute": 23}
